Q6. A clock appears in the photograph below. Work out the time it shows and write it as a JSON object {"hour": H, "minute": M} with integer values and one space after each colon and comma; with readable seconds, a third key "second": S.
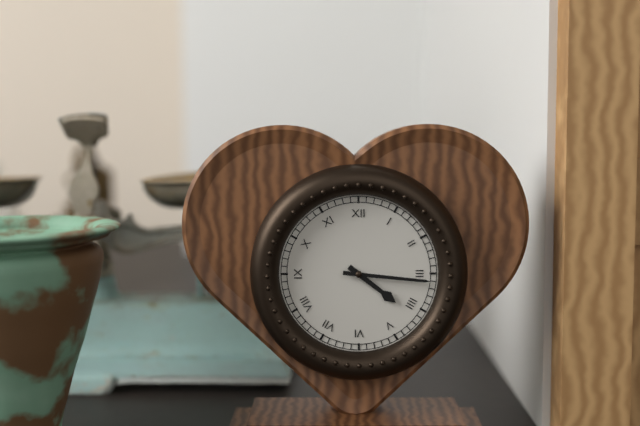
{"hour": 4, "minute": 16}
